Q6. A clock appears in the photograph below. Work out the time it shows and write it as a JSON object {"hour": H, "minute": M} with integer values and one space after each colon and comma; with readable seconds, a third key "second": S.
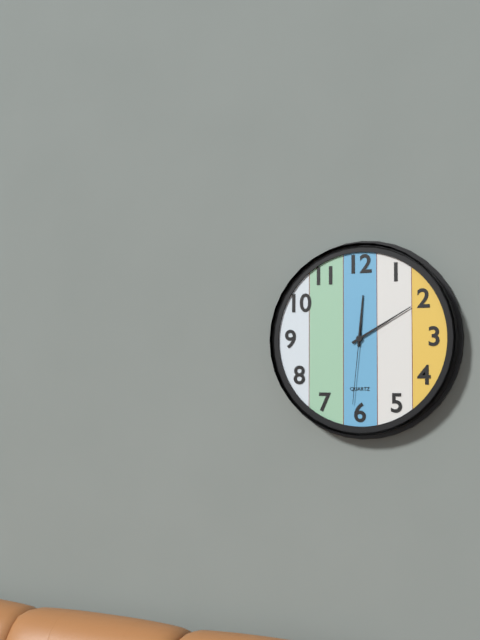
{"hour": 12, "minute": 10, "second": 31}
